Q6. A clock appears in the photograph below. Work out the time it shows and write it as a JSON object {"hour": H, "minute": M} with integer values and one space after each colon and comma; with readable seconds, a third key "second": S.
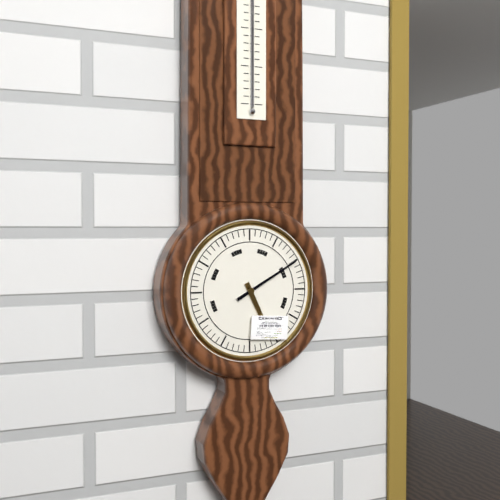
{"hour": 5, "minute": 10}
